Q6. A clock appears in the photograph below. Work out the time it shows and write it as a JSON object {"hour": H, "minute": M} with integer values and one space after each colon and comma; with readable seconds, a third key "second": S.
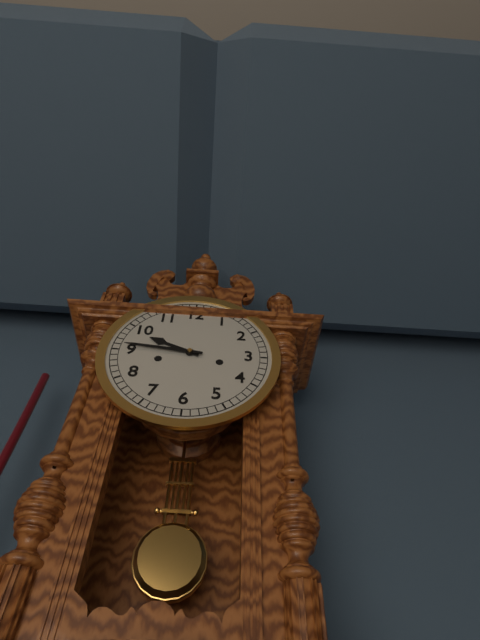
{"hour": 9, "minute": 46}
